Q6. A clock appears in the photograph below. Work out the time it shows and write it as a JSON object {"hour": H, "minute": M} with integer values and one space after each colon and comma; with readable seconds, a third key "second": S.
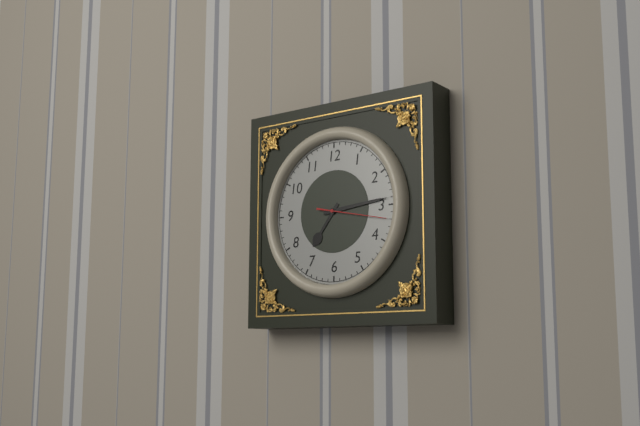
{"hour": 7, "minute": 14, "second": 17}
